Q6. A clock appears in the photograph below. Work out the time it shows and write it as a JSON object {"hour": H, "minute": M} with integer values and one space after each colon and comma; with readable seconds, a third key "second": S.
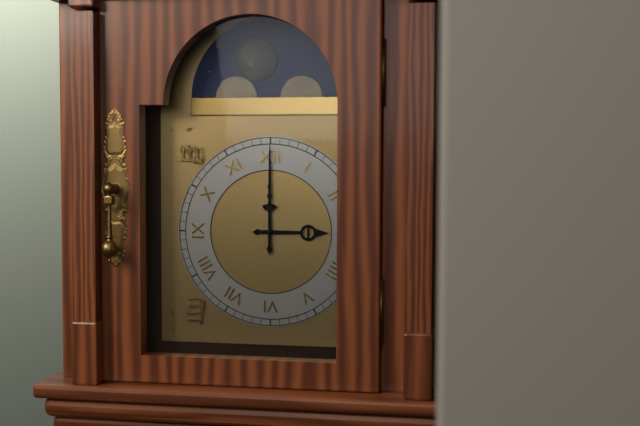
{"hour": 3, "minute": 0}
